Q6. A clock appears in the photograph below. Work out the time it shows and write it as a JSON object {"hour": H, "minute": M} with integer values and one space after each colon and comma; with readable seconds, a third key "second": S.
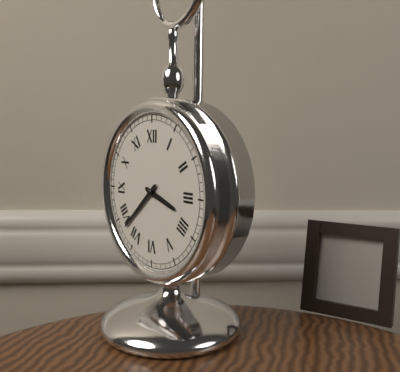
{"hour": 3, "minute": 38}
